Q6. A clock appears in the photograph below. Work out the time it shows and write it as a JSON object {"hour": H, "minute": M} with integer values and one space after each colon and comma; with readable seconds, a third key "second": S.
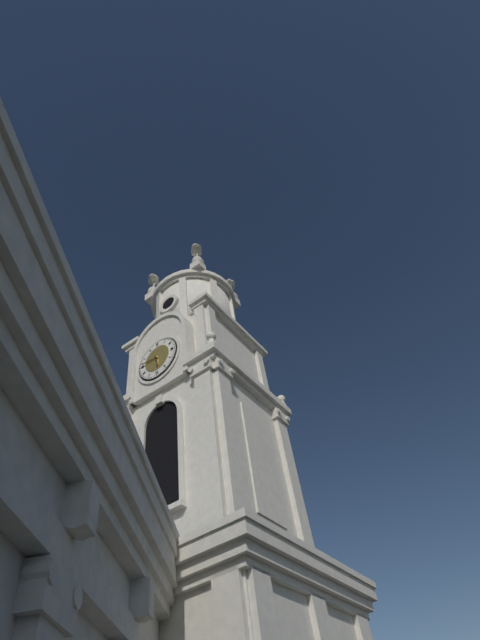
{"hour": 5, "minute": 46}
